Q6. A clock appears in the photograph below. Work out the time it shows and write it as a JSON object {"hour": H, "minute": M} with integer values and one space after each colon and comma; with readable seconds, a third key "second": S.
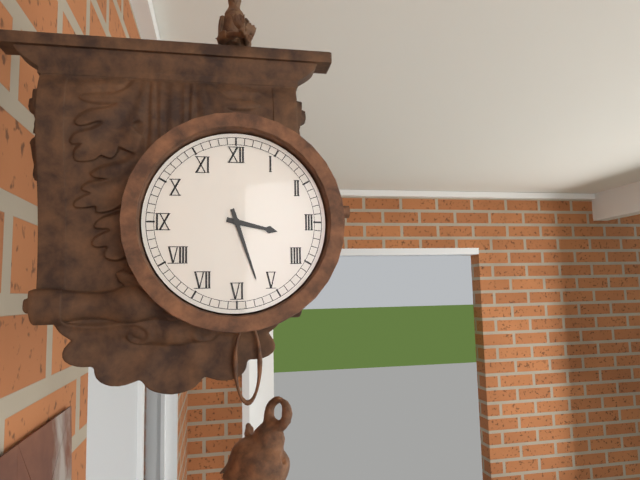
{"hour": 3, "minute": 27}
